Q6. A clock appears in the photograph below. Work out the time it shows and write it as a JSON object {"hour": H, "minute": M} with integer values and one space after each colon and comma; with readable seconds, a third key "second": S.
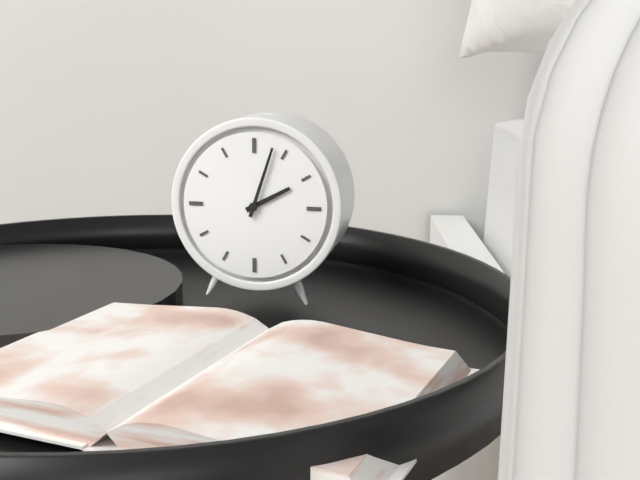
{"hour": 2, "minute": 3}
